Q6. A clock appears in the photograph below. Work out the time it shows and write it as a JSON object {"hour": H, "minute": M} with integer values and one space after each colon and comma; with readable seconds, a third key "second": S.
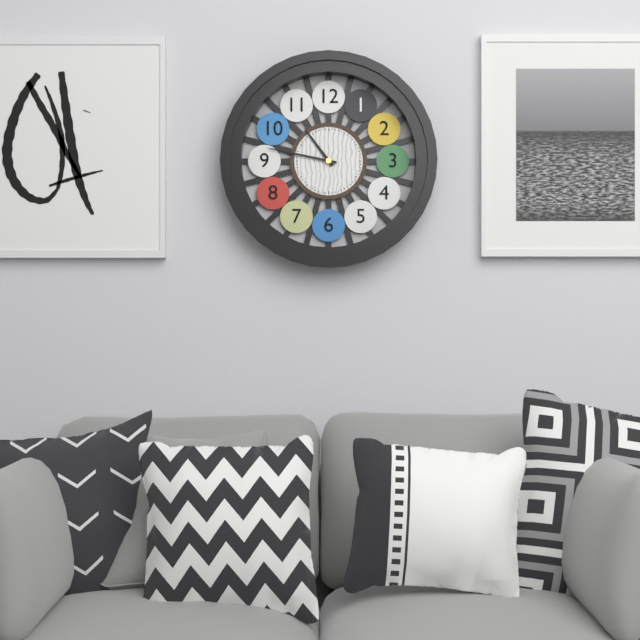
{"hour": 10, "minute": 47}
